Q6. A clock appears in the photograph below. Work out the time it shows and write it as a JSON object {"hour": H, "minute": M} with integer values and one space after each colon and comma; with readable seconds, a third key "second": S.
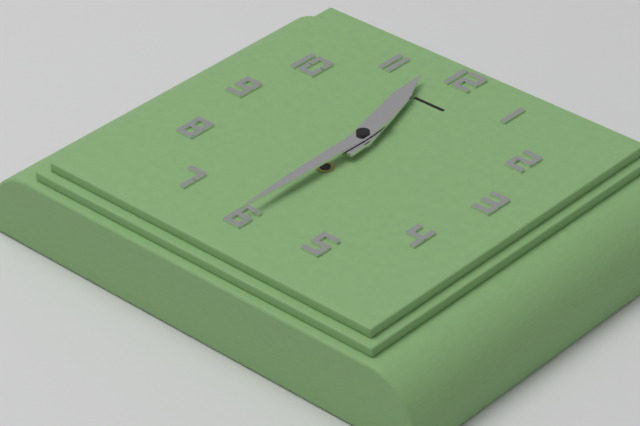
{"hour": 11, "minute": 30}
